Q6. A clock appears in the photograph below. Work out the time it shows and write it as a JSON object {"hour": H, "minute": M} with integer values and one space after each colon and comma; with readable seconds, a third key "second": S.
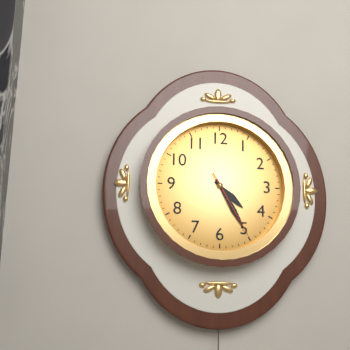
{"hour": 4, "minute": 25, "second": 25}
